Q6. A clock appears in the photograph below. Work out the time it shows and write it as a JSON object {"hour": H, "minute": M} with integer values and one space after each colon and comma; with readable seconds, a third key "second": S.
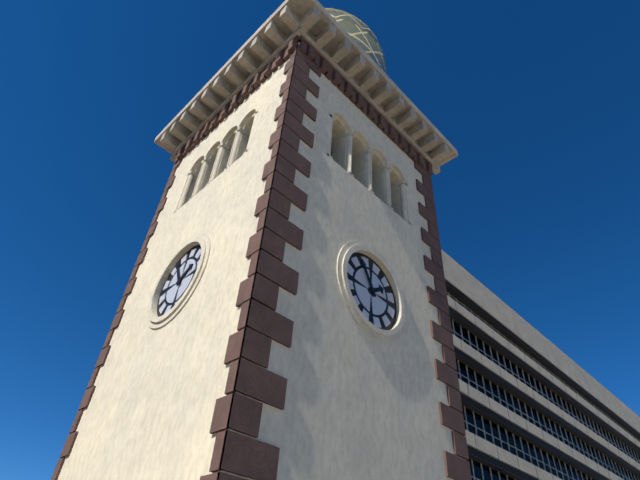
{"hour": 1, "minute": 55}
